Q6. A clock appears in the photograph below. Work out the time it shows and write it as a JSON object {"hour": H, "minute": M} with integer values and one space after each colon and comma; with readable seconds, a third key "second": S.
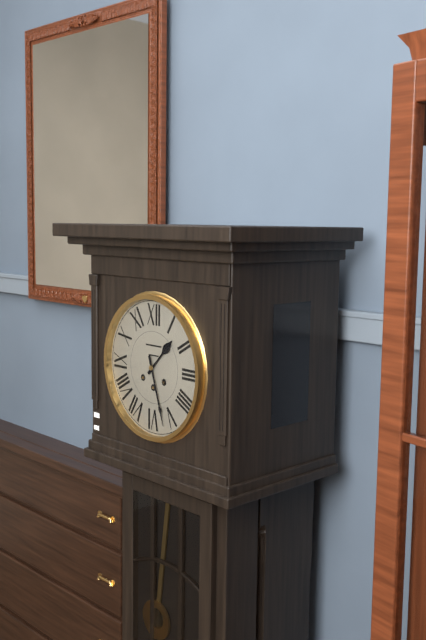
{"hour": 1, "minute": 27}
